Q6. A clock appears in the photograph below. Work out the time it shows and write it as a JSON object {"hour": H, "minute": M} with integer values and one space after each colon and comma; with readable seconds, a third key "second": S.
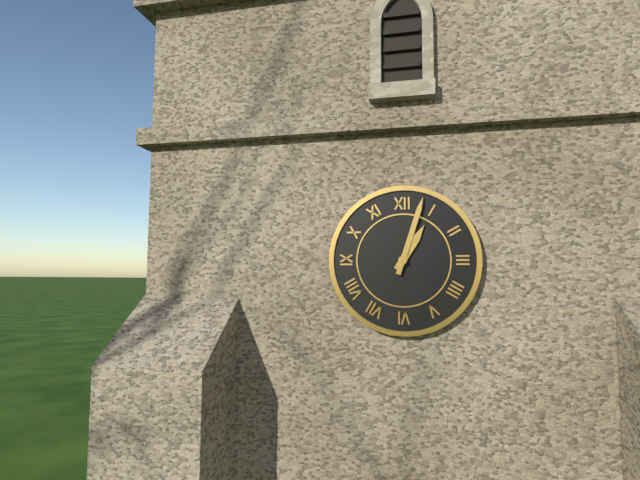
{"hour": 1, "minute": 3}
